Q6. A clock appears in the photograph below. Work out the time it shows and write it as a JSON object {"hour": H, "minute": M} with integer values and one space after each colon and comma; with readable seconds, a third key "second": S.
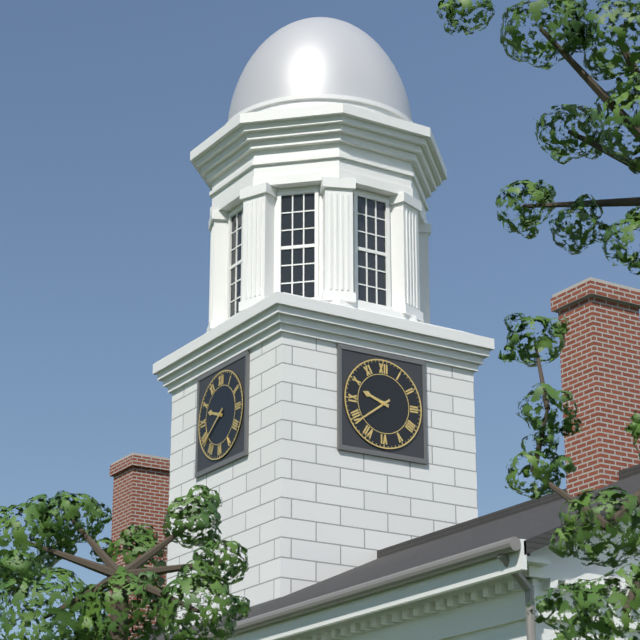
{"hour": 9, "minute": 39}
